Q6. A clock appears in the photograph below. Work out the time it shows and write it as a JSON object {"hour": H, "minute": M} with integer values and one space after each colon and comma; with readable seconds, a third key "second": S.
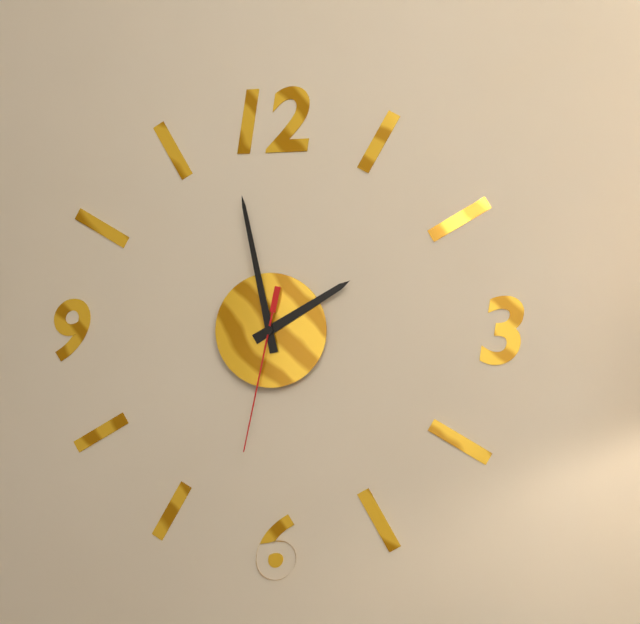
{"hour": 1, "minute": 58, "second": 32}
